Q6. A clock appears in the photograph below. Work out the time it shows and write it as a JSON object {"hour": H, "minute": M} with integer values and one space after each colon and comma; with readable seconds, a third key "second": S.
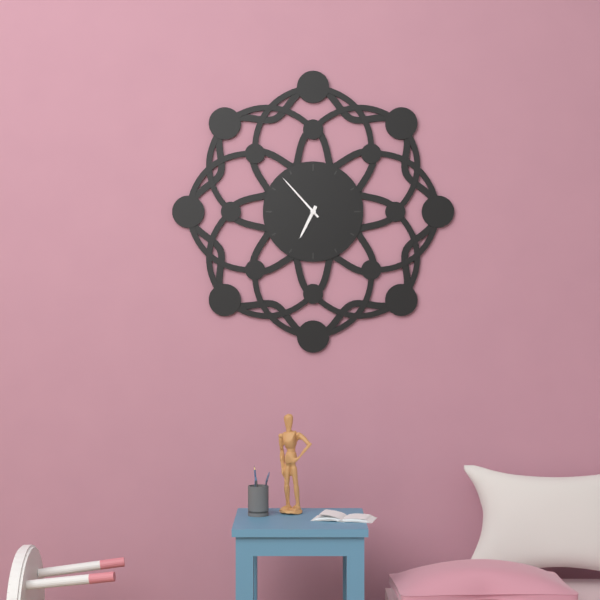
{"hour": 6, "minute": 53}
